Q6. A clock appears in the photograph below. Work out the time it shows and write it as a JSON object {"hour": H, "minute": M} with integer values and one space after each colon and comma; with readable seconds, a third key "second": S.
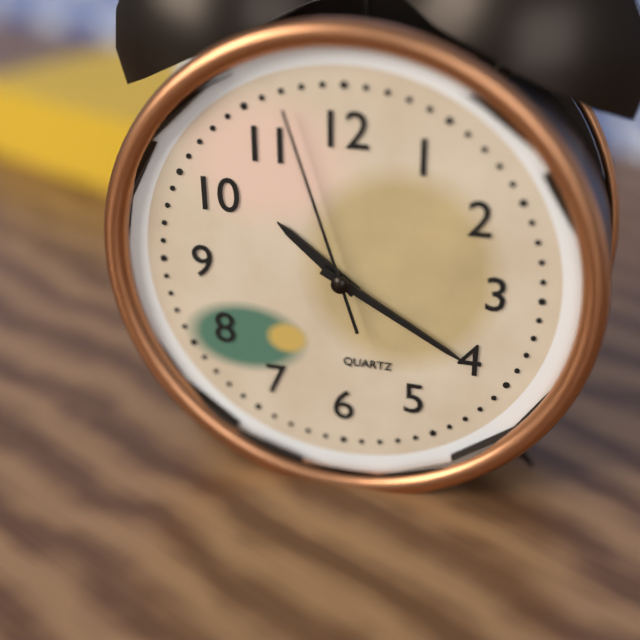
{"hour": 10, "minute": 20, "second": 57}
